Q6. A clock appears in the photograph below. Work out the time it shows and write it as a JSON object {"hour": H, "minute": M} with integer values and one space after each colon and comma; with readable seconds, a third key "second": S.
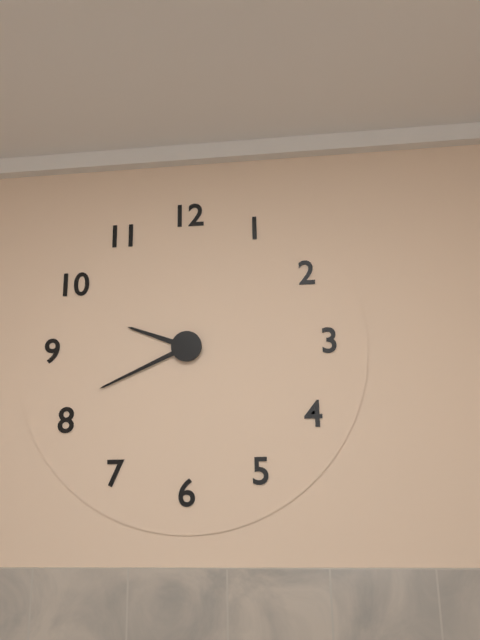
{"hour": 9, "minute": 41}
